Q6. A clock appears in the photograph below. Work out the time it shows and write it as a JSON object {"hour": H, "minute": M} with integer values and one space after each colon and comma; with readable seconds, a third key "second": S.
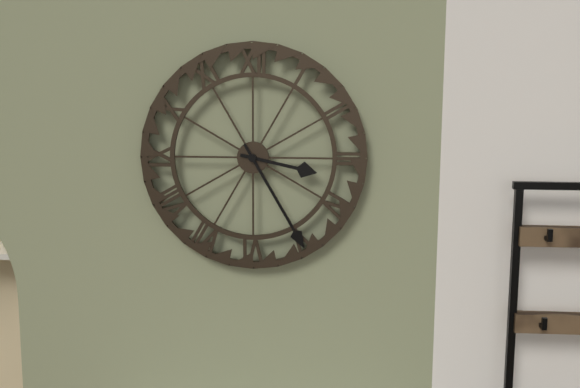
{"hour": 3, "minute": 25}
